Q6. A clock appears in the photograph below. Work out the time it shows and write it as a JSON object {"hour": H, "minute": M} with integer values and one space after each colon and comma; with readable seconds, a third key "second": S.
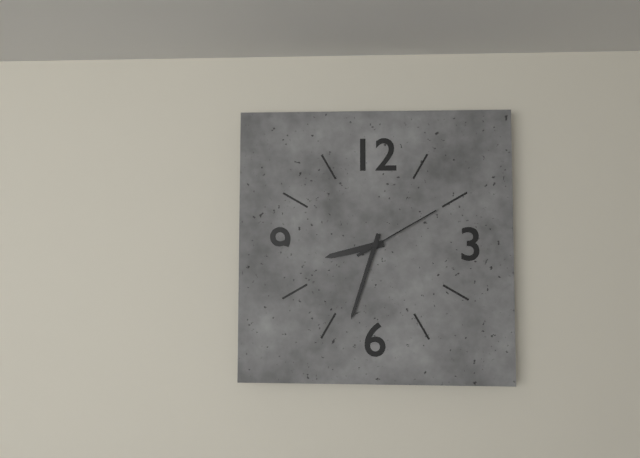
{"hour": 8, "minute": 33, "second": 10}
